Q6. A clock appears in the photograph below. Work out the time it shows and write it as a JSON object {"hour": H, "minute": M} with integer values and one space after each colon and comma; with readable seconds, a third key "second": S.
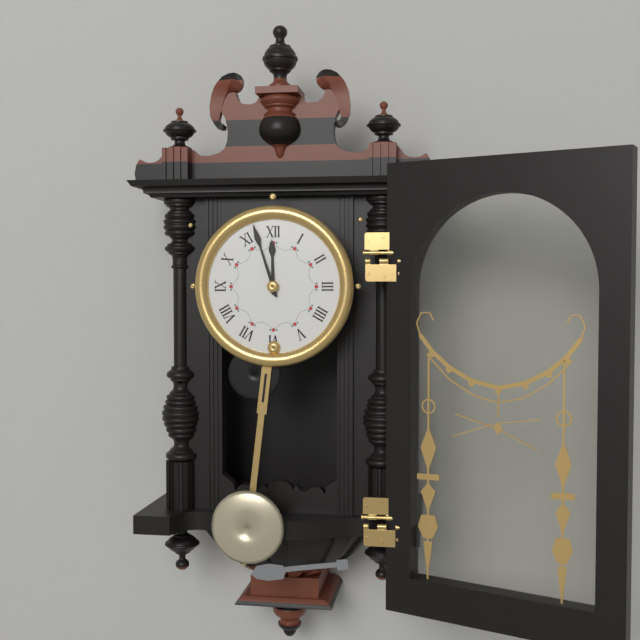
{"hour": 11, "minute": 57}
